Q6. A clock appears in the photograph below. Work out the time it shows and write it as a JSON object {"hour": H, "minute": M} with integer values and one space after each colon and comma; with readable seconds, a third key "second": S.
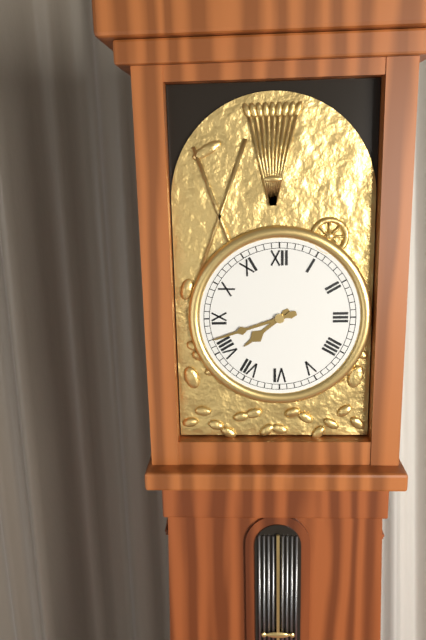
{"hour": 7, "minute": 42}
